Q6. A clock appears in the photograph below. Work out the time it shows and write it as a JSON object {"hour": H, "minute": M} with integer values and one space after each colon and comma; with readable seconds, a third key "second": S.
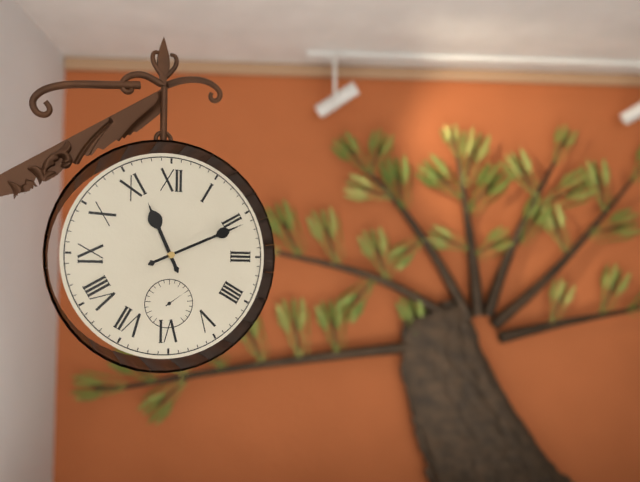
{"hour": 11, "minute": 11}
